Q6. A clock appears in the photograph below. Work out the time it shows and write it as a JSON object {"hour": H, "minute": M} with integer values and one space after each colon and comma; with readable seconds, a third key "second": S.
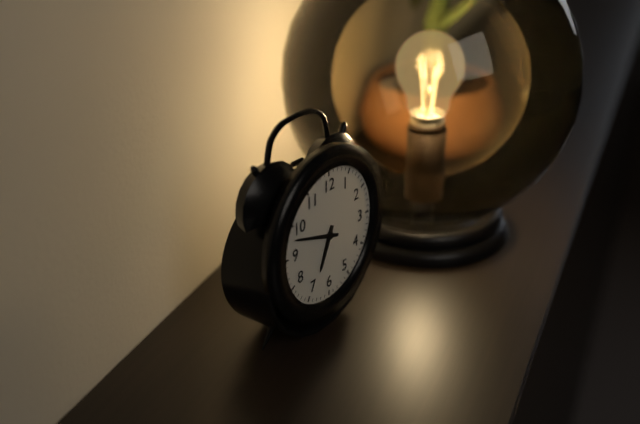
{"hour": 6, "minute": 48}
